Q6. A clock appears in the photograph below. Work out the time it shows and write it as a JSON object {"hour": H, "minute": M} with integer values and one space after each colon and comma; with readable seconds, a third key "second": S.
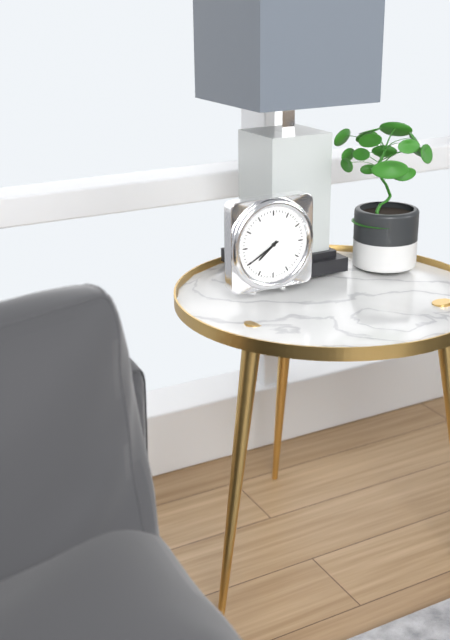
{"hour": 7, "minute": 40}
